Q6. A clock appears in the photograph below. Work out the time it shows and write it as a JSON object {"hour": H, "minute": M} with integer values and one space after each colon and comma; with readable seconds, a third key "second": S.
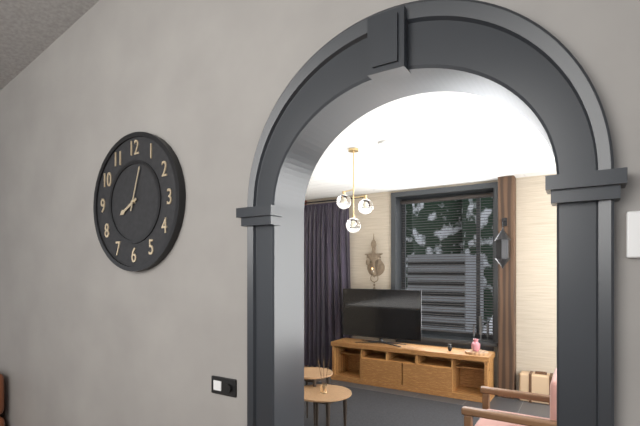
{"hour": 8, "minute": 3}
